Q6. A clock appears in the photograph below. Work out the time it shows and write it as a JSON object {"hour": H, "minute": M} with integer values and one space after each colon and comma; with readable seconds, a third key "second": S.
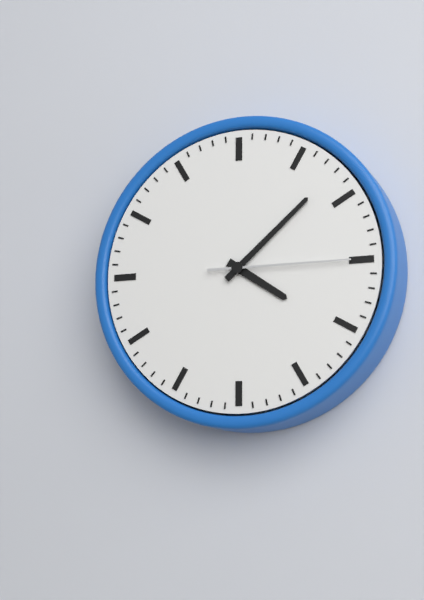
{"hour": 4, "minute": 8, "second": 15}
